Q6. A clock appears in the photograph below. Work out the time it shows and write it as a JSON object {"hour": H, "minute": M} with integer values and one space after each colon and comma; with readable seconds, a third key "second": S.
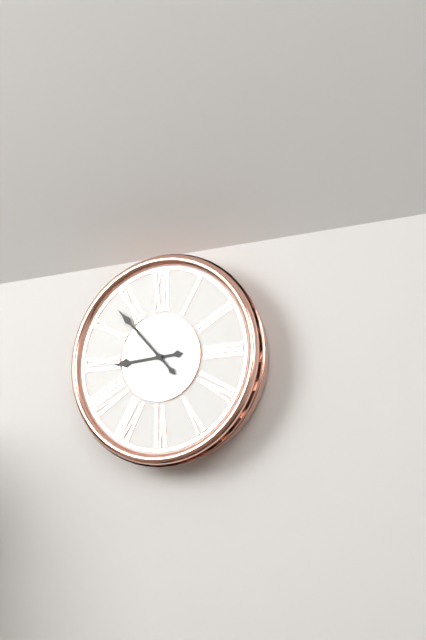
{"hour": 8, "minute": 53}
